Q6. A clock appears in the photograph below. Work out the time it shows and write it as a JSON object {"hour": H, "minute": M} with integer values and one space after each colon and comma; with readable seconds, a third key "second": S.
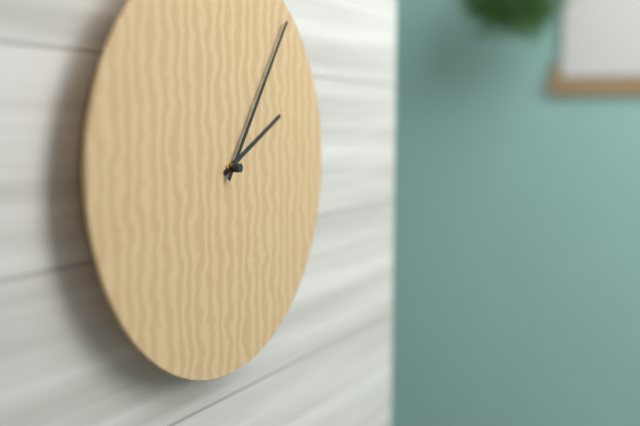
{"hour": 2, "minute": 6}
